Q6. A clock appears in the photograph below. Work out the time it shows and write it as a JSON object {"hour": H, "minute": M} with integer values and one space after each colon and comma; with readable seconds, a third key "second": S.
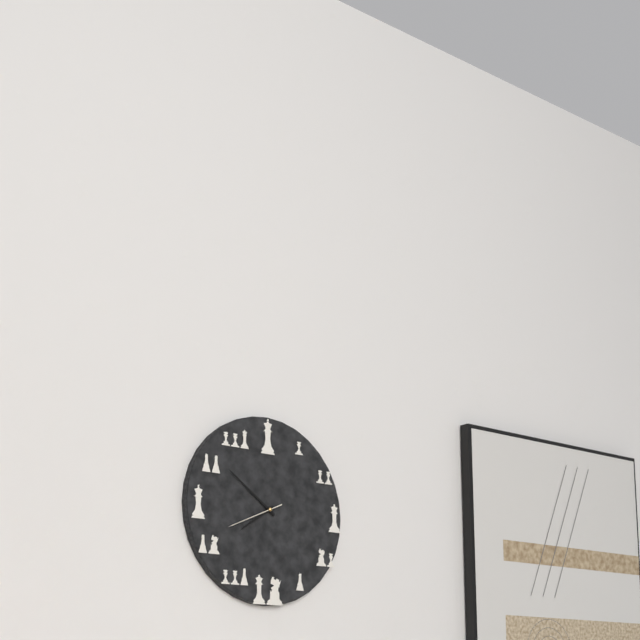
{"hour": 7, "minute": 51, "second": 41}
